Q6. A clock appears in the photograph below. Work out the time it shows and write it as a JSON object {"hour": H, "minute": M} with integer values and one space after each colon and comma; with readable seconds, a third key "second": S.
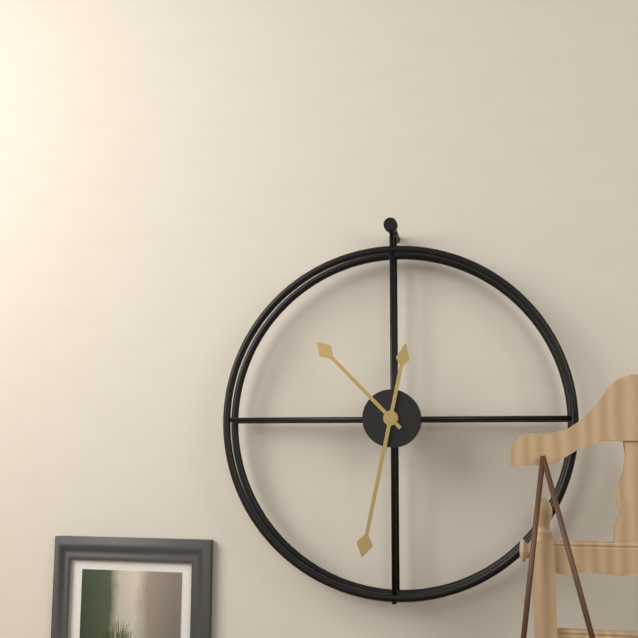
{"hour": 10, "minute": 32}
